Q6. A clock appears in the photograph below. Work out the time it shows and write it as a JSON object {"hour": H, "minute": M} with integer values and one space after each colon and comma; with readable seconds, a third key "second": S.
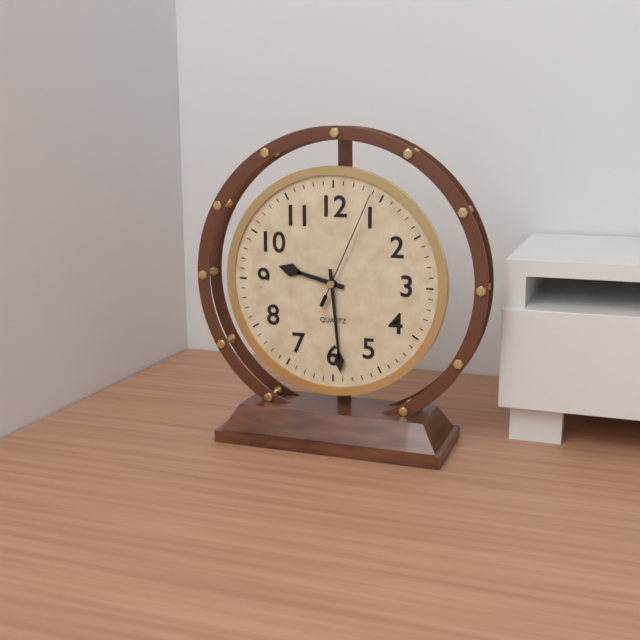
{"hour": 9, "minute": 29, "second": 4}
